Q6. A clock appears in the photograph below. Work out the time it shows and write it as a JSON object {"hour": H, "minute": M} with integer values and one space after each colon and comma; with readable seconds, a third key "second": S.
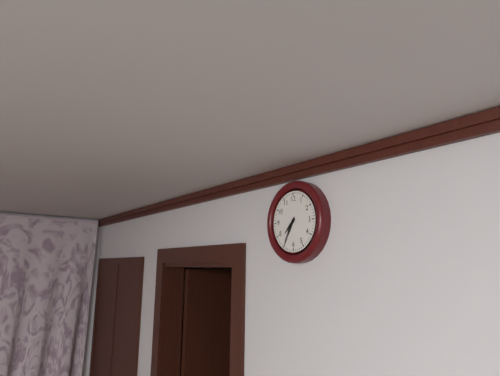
{"hour": 7, "minute": 35}
